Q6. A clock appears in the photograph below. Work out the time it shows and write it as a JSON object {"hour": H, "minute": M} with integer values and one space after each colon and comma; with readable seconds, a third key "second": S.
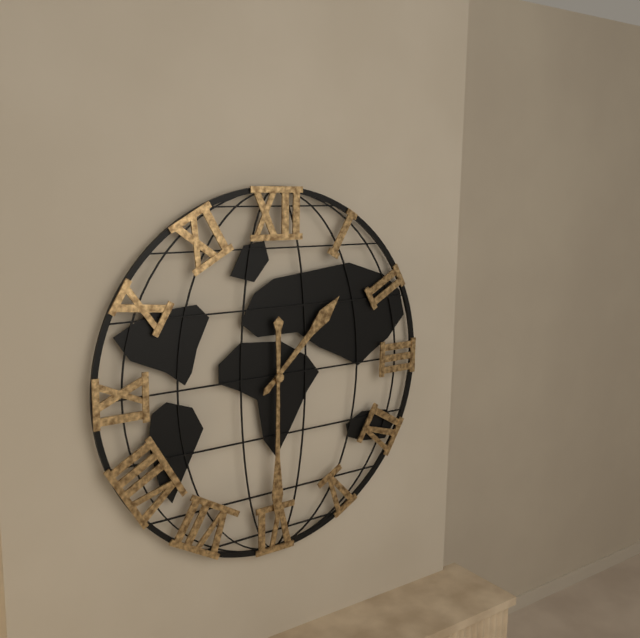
{"hour": 1, "minute": 30}
